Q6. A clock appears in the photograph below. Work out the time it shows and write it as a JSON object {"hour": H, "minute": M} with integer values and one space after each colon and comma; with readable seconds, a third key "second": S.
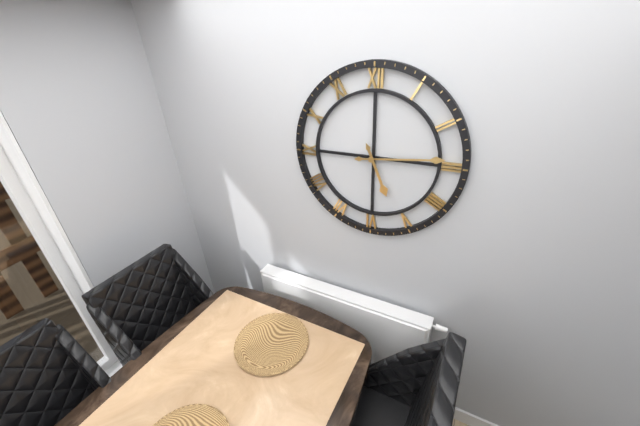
{"hour": 5, "minute": 14}
